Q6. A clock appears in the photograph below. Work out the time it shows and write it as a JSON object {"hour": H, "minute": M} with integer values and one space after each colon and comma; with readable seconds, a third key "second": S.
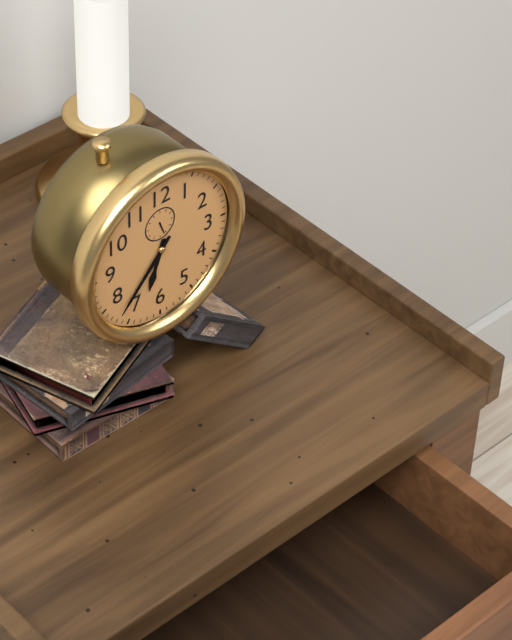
{"hour": 6, "minute": 37}
